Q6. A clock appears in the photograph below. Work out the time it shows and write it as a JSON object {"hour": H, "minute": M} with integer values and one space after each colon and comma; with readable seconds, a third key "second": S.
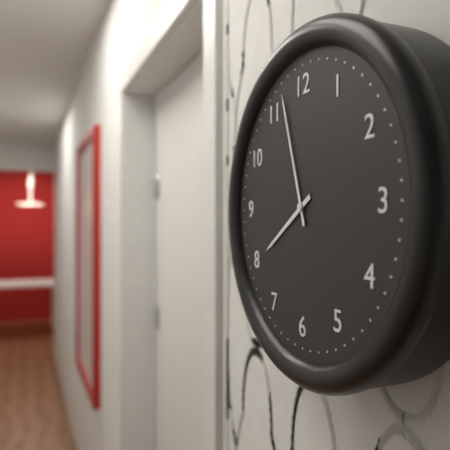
{"hour": 7, "minute": 57}
